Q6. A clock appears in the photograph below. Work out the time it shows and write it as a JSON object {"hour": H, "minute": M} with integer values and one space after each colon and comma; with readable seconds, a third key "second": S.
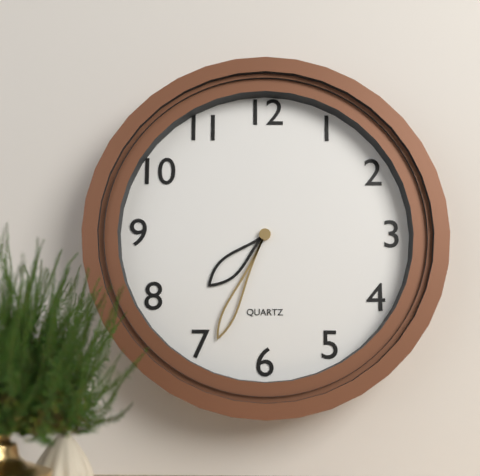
{"hour": 7, "minute": 34}
